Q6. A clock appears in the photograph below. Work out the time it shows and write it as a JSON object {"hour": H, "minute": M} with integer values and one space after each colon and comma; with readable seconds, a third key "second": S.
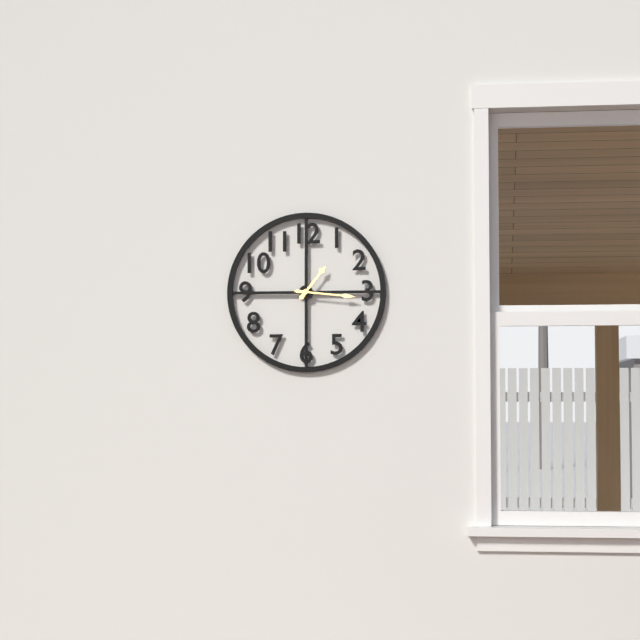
{"hour": 1, "minute": 16}
